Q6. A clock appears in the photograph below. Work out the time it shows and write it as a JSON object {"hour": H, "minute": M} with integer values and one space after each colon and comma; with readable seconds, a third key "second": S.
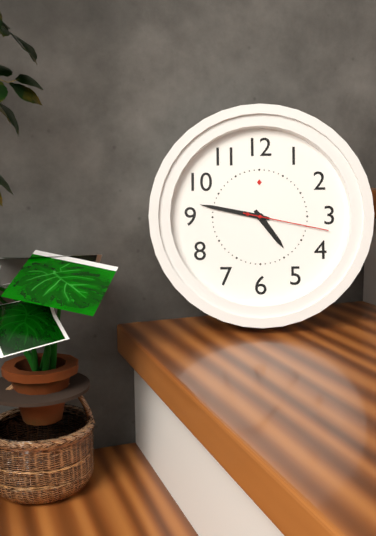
{"hour": 4, "minute": 47, "second": 17}
